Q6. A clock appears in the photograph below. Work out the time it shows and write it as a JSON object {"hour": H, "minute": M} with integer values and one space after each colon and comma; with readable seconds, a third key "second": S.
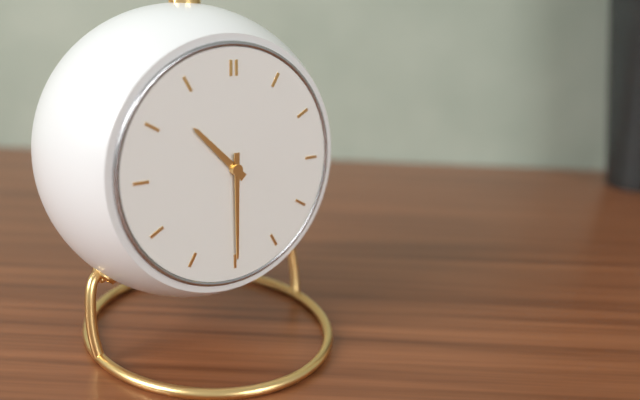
{"hour": 10, "minute": 30}
